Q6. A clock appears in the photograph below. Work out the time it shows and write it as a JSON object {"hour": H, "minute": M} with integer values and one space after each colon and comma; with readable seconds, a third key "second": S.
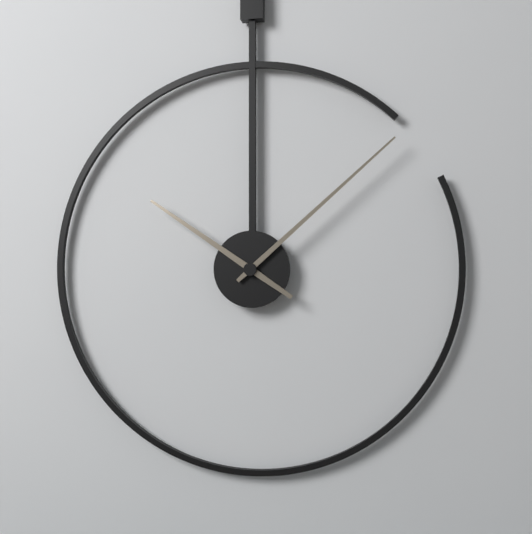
{"hour": 10, "minute": 8}
